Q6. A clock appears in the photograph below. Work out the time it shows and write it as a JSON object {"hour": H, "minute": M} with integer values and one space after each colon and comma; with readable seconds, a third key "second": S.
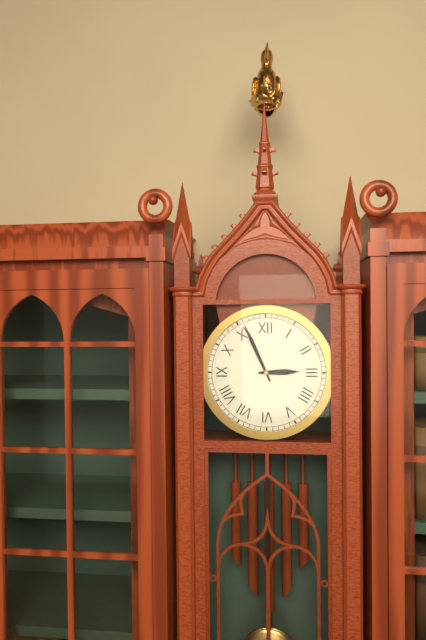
{"hour": 2, "minute": 56}
